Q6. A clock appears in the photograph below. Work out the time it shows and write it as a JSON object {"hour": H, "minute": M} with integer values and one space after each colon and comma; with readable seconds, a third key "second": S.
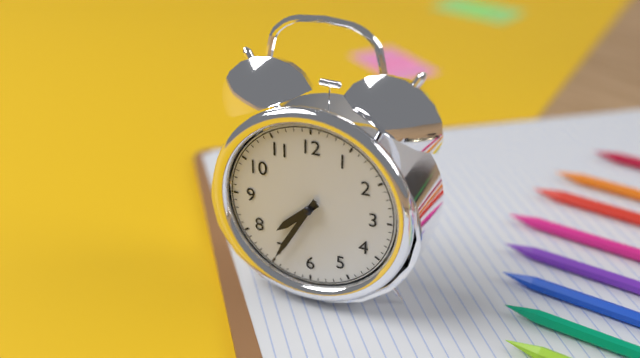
{"hour": 7, "minute": 35}
